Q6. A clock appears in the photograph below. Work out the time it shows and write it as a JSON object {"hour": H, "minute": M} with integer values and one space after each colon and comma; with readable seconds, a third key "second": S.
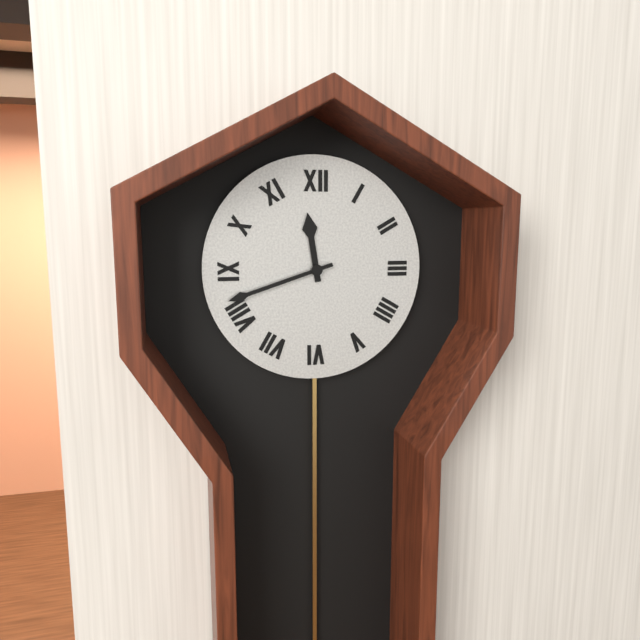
{"hour": 11, "minute": 42}
